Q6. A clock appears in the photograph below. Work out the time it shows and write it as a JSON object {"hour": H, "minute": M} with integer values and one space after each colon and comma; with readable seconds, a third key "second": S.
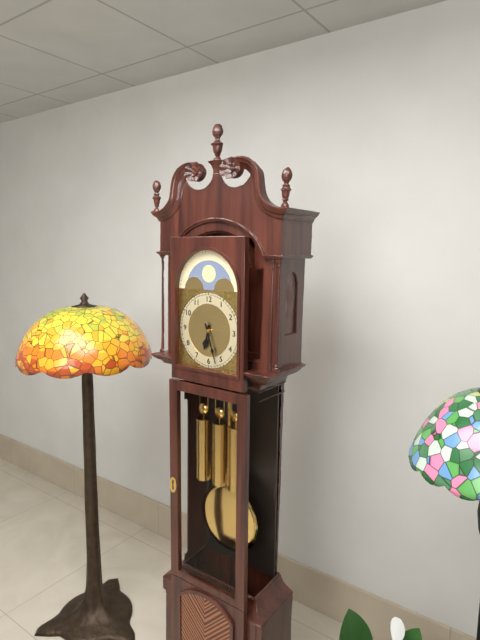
{"hour": 6, "minute": 27}
